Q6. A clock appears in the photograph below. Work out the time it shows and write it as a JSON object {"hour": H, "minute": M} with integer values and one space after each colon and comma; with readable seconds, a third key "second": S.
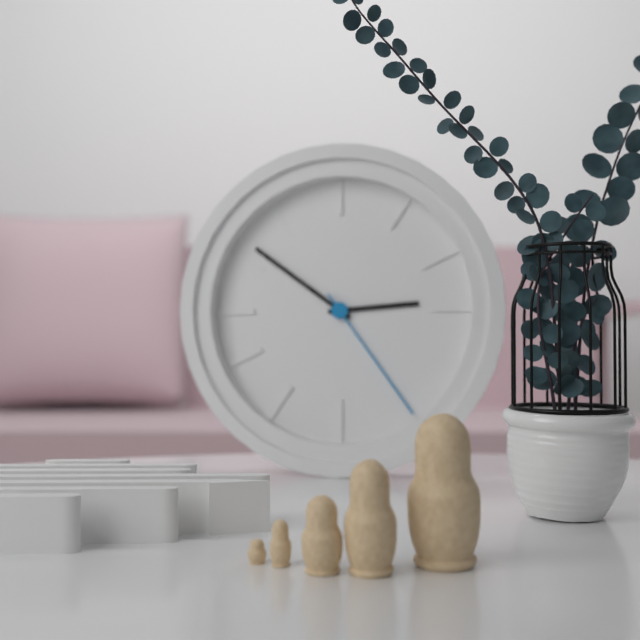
{"hour": 2, "minute": 51, "second": 24}
